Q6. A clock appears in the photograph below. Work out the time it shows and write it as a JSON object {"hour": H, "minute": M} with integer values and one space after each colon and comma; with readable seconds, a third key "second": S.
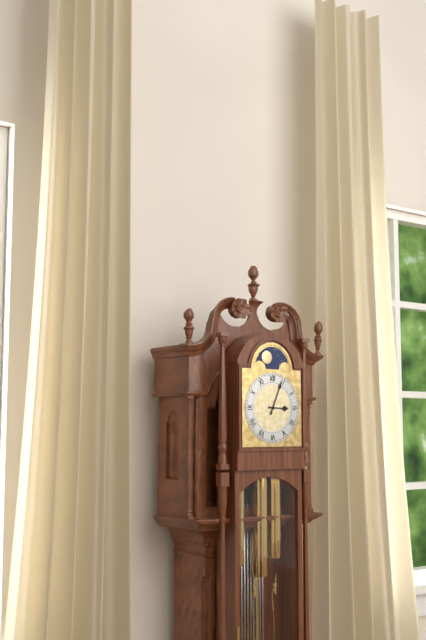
{"hour": 3, "minute": 4}
